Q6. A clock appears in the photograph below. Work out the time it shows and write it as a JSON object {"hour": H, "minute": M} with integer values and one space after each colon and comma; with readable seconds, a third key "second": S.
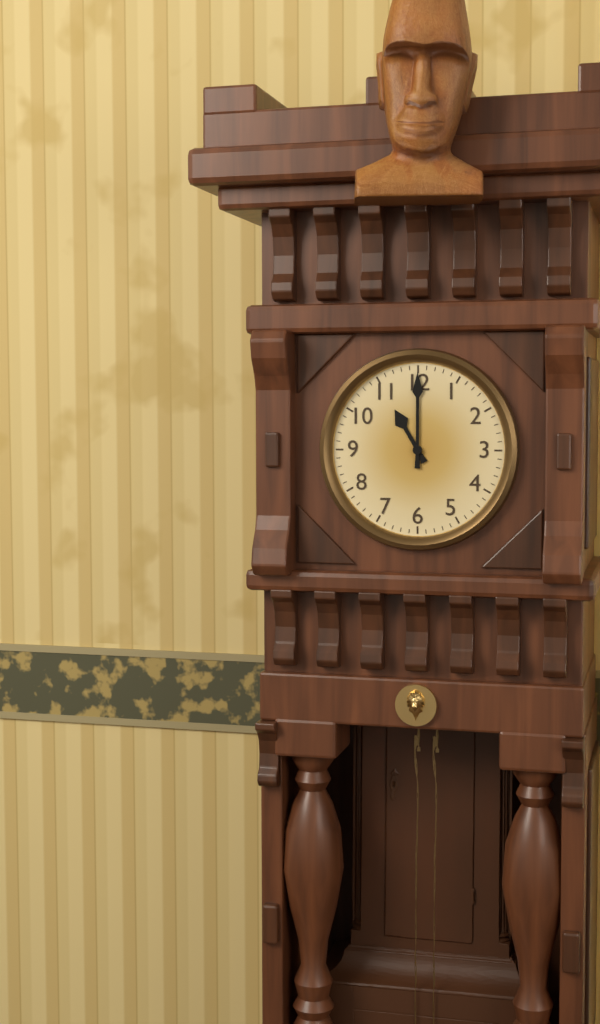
{"hour": 11, "minute": 0}
